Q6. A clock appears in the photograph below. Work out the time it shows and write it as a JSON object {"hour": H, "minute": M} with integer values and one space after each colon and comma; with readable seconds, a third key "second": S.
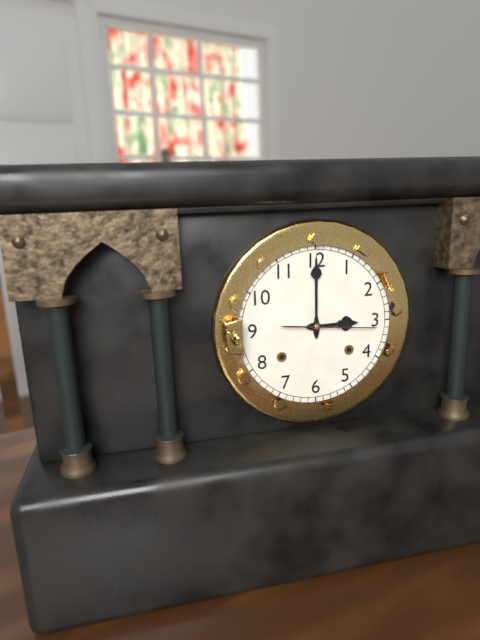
{"hour": 3, "minute": 0, "second": 16}
